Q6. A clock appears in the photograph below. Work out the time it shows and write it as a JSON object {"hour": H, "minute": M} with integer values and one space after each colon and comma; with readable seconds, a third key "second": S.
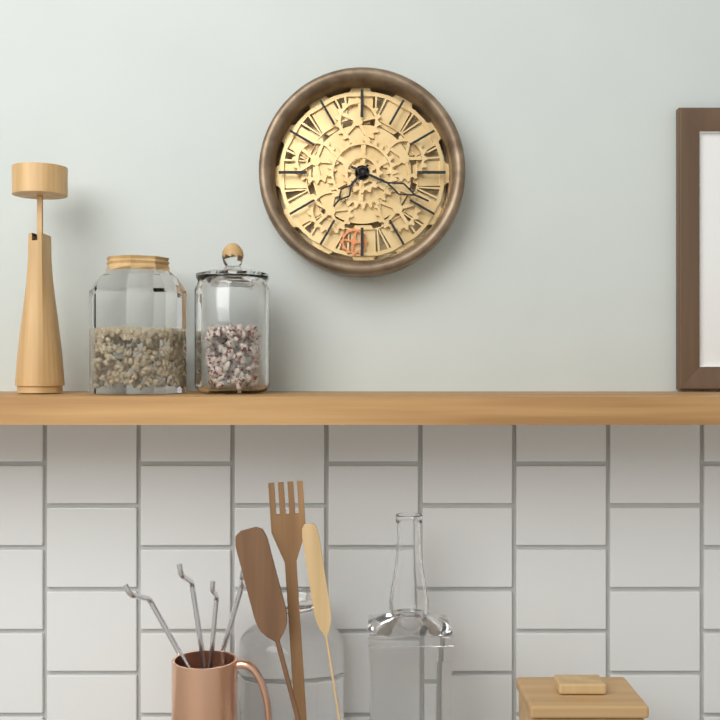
{"hour": 7, "minute": 19}
